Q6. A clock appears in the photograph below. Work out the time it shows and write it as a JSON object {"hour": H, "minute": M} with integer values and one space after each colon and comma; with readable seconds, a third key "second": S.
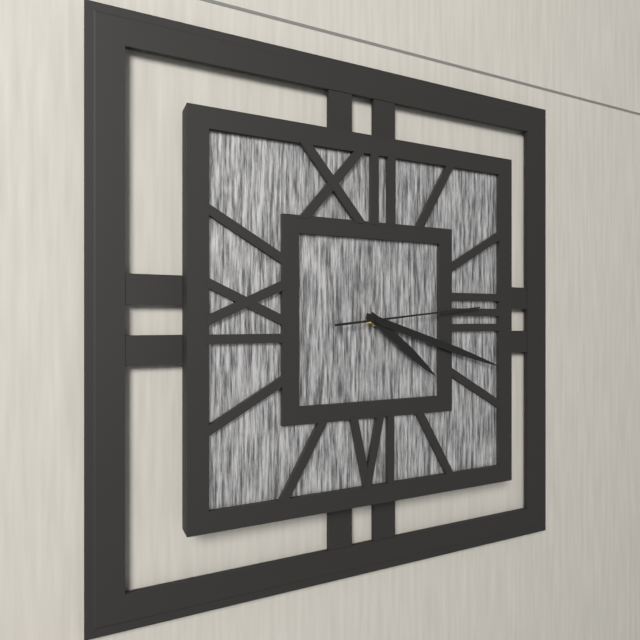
{"hour": 4, "minute": 18, "second": 14}
